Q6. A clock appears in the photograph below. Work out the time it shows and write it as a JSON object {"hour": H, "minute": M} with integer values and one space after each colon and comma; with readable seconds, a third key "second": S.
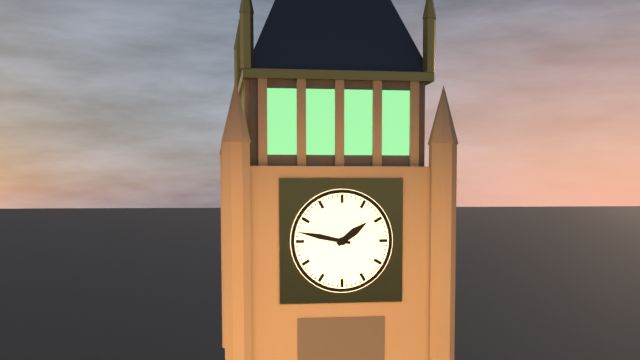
{"hour": 1, "minute": 47}
